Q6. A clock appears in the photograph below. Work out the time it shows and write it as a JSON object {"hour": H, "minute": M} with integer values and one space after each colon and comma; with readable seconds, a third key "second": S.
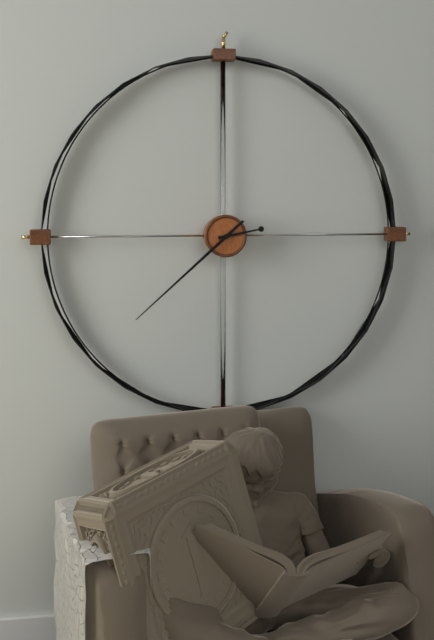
{"hour": 2, "minute": 38}
